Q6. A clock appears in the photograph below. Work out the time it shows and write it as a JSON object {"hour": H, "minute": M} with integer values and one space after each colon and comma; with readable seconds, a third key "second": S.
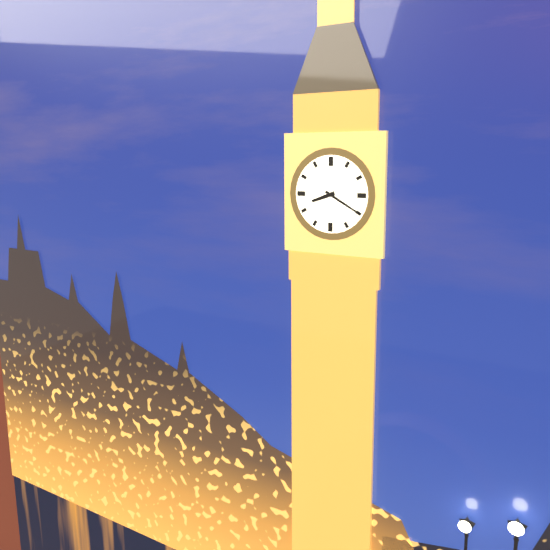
{"hour": 8, "minute": 20}
